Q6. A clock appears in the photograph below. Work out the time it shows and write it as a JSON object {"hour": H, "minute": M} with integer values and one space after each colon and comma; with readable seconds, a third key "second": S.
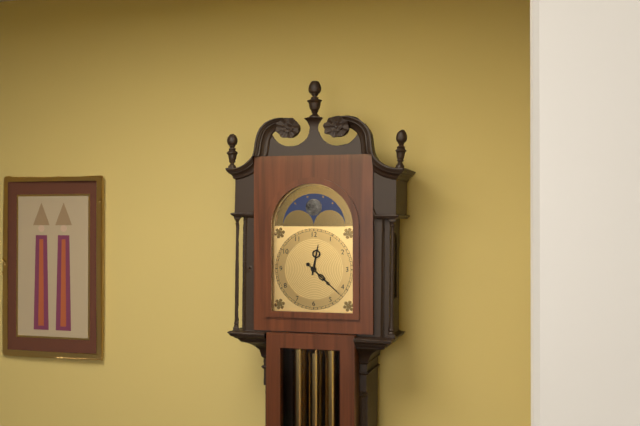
{"hour": 12, "minute": 22}
